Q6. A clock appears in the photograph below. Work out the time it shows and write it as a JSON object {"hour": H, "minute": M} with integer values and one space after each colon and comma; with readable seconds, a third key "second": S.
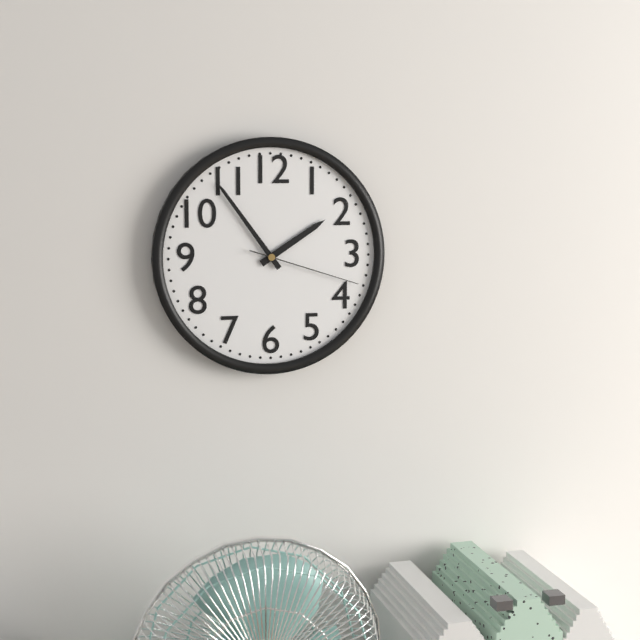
{"hour": 1, "minute": 54, "second": 18}
